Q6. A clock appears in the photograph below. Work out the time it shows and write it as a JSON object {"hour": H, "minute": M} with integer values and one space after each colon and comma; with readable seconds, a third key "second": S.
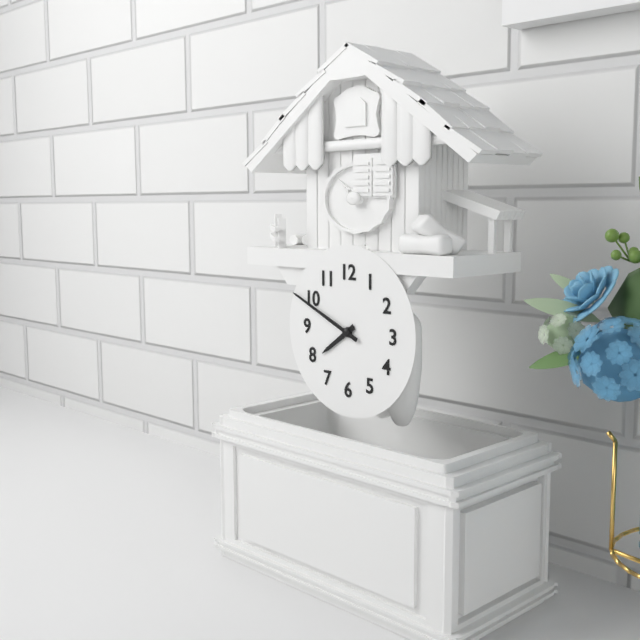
{"hour": 7, "minute": 49}
